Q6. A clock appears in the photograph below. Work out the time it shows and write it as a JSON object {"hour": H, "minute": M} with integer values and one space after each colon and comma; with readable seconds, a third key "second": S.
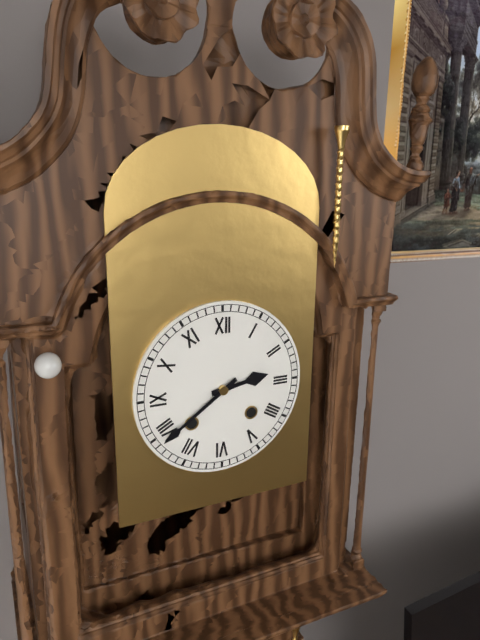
{"hour": 2, "minute": 39}
